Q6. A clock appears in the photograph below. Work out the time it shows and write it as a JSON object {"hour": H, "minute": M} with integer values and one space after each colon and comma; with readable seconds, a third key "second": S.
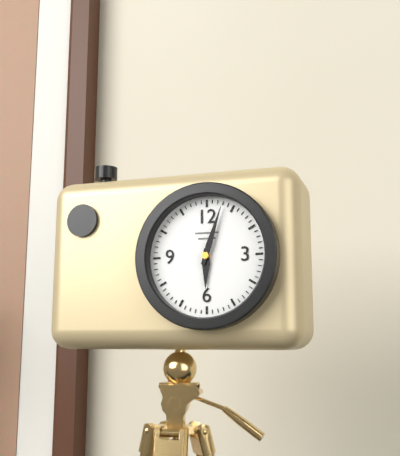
{"hour": 6, "minute": 3}
